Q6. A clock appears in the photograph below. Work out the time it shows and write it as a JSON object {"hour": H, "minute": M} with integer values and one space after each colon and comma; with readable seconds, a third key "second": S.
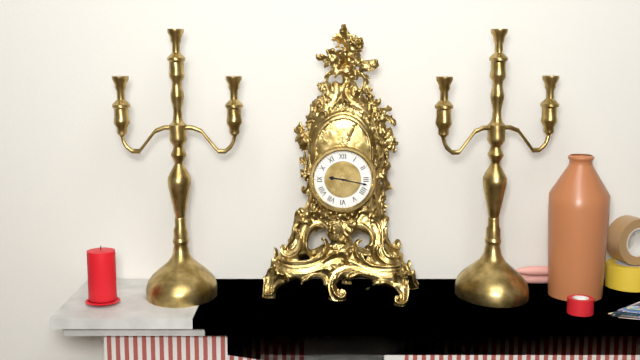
{"hour": 9, "minute": 17}
